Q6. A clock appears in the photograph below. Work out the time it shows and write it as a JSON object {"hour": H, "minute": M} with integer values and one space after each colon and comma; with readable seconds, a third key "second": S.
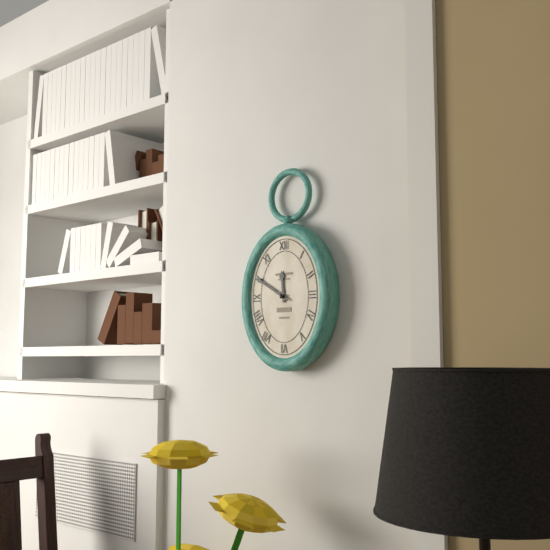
{"hour": 11, "minute": 50}
